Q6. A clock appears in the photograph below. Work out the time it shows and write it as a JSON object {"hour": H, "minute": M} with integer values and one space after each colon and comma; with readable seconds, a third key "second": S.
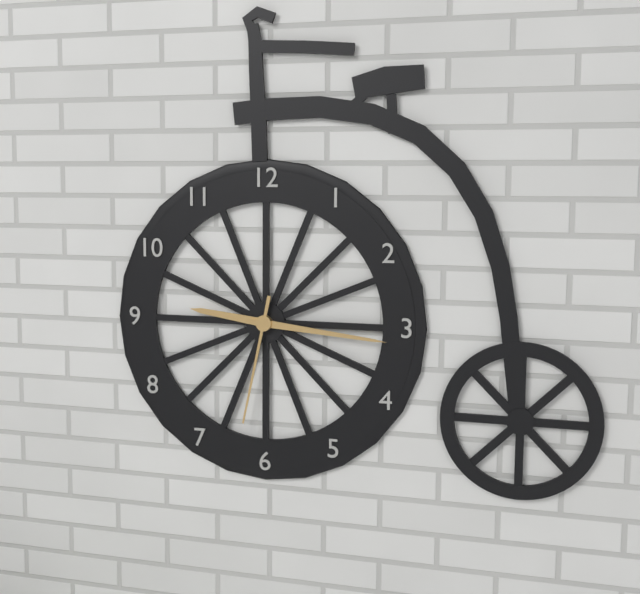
{"hour": 9, "minute": 16, "second": 32}
